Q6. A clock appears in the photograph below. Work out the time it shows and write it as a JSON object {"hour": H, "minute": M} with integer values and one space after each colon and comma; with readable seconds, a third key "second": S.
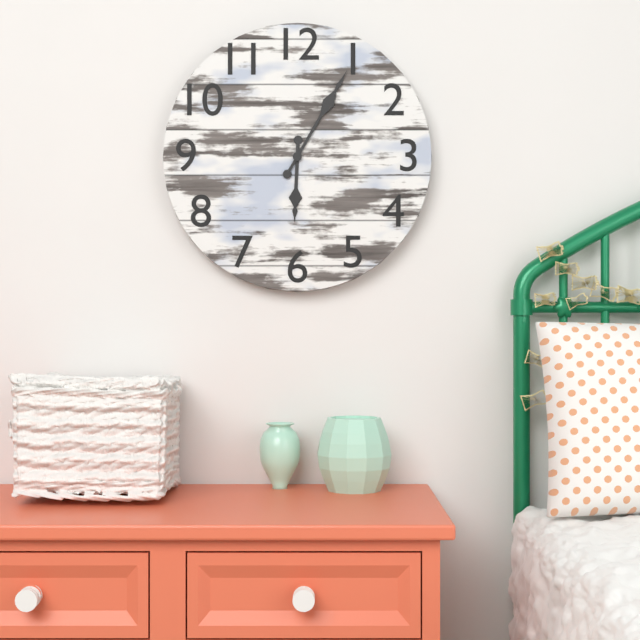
{"hour": 6, "minute": 5}
